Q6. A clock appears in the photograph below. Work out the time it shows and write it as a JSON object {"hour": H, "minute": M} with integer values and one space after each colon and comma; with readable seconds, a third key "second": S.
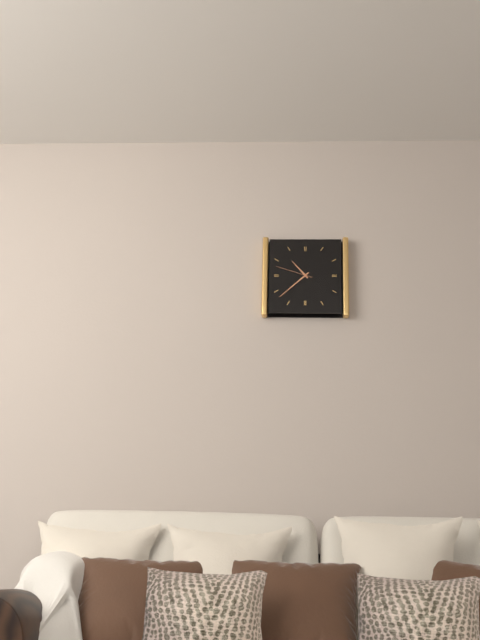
{"hour": 10, "minute": 38}
